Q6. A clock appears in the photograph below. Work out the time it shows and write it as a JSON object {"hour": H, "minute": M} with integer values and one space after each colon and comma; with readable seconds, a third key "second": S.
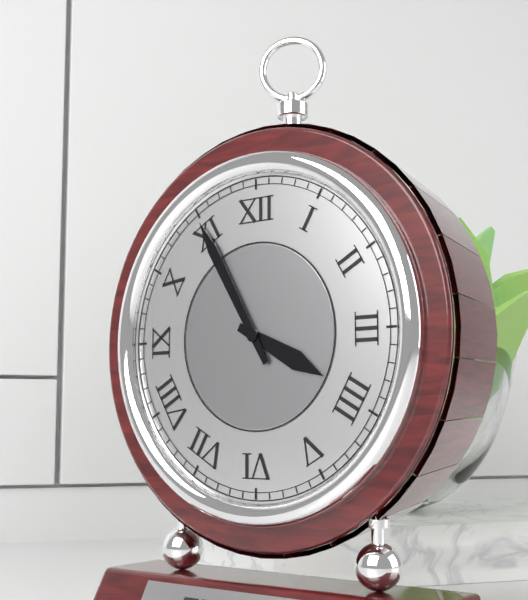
{"hour": 3, "minute": 55}
